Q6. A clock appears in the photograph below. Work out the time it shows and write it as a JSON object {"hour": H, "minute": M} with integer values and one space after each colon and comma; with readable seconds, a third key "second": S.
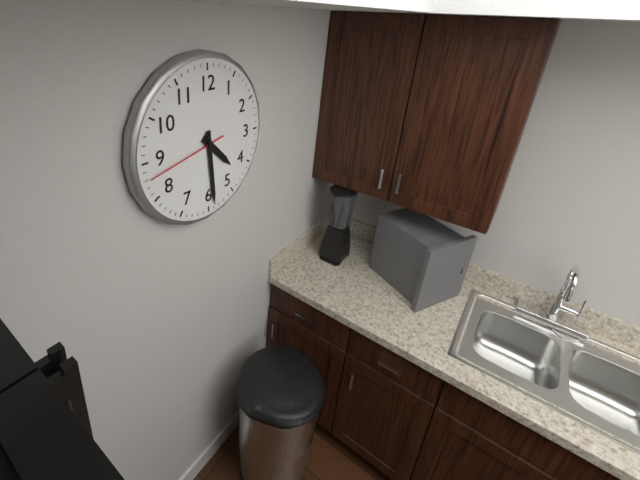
{"hour": 4, "minute": 29, "second": 43}
